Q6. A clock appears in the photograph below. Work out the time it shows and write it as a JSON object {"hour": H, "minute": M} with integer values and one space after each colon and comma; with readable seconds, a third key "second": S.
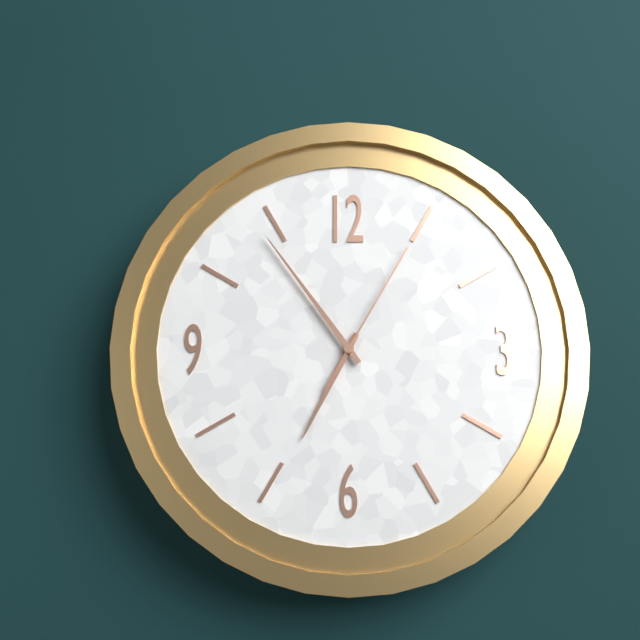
{"hour": 6, "minute": 54, "second": 5}
